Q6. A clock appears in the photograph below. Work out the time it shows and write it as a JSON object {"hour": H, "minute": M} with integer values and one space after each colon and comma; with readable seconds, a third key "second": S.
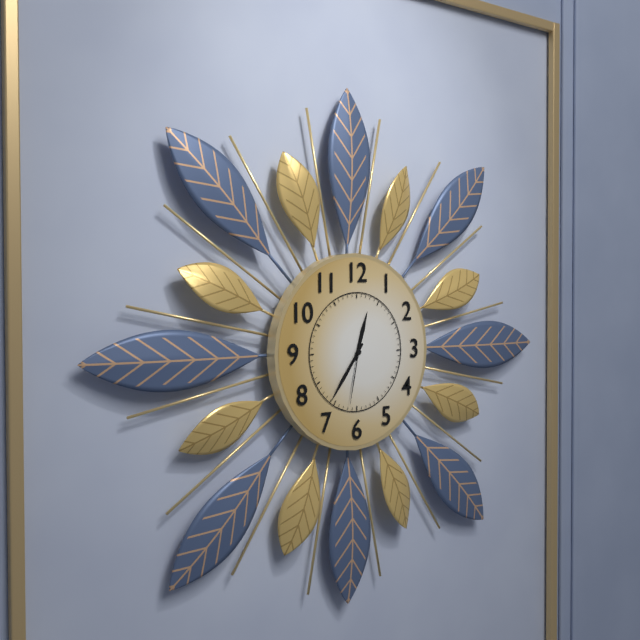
{"hour": 12, "minute": 36, "second": 32}
